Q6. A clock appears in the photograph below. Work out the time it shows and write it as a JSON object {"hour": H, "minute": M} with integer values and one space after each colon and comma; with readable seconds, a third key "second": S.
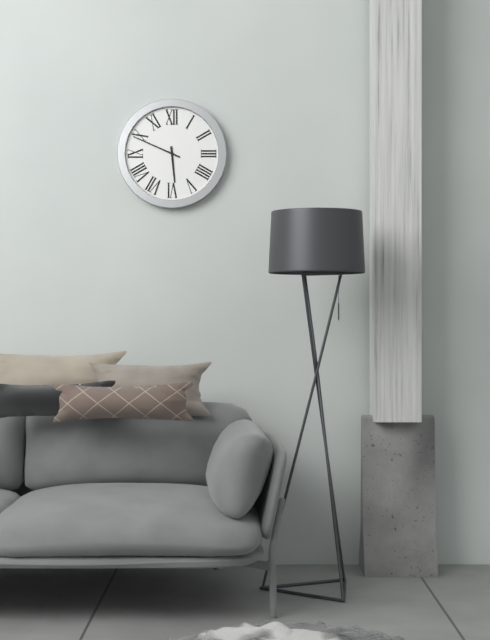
{"hour": 5, "minute": 49}
